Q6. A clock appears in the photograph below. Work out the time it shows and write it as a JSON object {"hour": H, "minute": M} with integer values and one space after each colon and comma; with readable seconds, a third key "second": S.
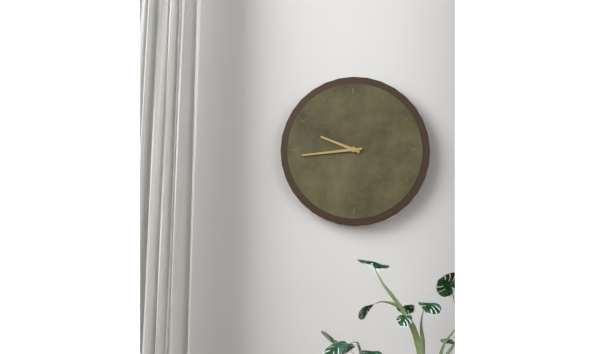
{"hour": 9, "minute": 44}
